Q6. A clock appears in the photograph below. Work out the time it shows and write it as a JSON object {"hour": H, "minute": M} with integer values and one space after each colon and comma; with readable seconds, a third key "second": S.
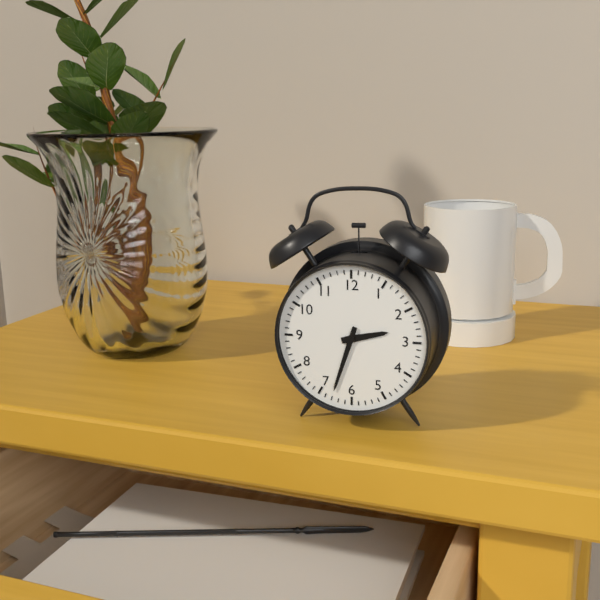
{"hour": 2, "minute": 33}
